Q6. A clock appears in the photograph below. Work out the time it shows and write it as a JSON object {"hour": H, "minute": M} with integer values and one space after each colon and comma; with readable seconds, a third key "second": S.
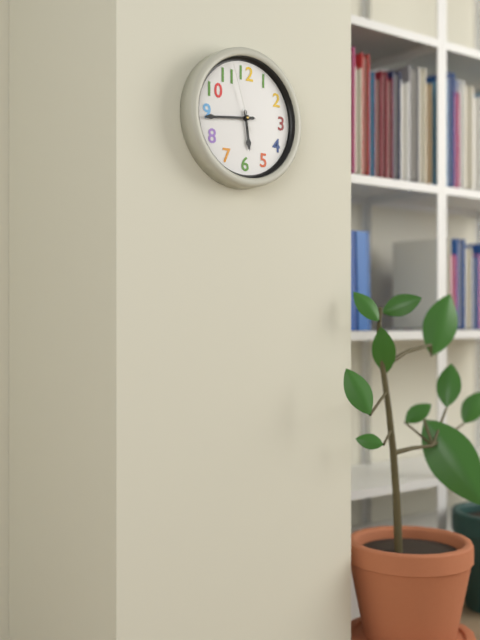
{"hour": 5, "minute": 44, "second": 57}
